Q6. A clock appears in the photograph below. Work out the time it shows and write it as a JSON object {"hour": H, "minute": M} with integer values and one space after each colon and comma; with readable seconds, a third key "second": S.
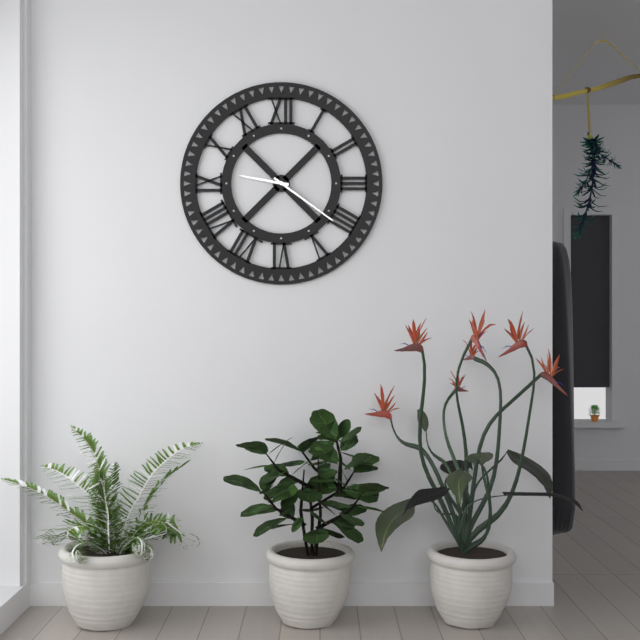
{"hour": 9, "minute": 21}
